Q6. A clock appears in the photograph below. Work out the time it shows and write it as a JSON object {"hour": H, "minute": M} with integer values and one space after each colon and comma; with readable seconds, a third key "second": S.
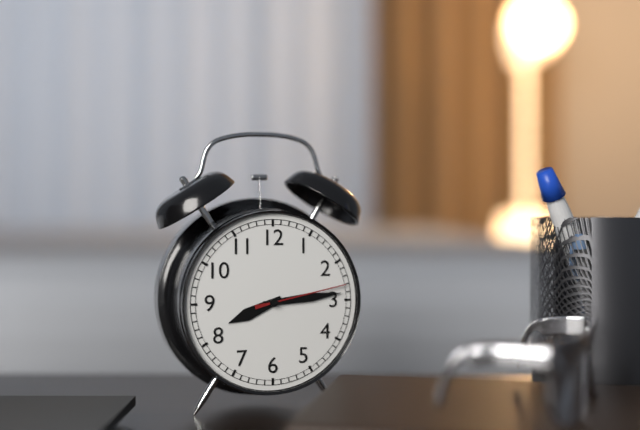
{"hour": 8, "minute": 14, "second": 13}
